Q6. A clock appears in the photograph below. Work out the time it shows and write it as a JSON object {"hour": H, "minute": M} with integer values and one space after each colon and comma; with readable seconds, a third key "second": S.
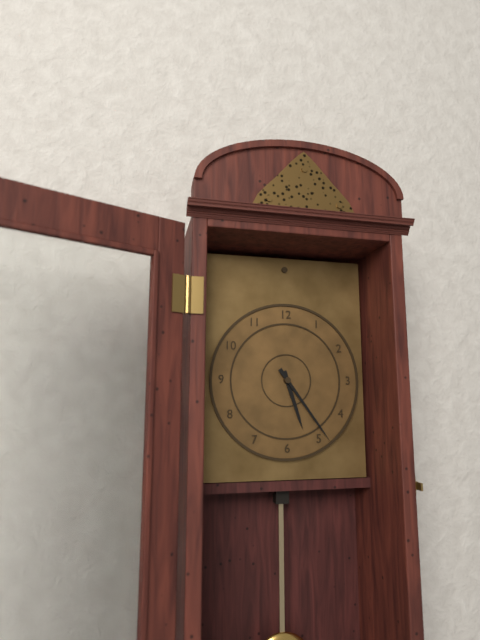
{"hour": 5, "minute": 24}
